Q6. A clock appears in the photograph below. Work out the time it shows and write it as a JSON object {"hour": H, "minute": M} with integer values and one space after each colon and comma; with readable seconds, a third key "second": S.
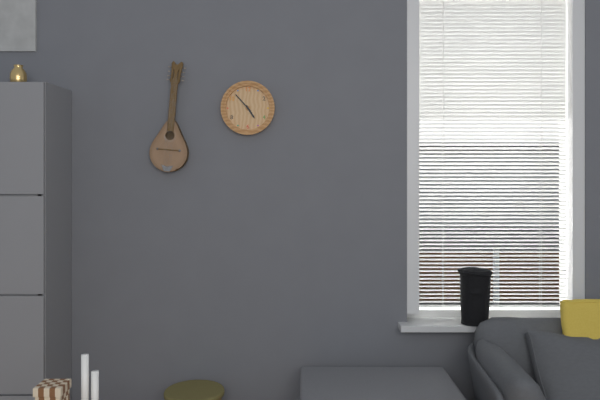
{"hour": 4, "minute": 53}
